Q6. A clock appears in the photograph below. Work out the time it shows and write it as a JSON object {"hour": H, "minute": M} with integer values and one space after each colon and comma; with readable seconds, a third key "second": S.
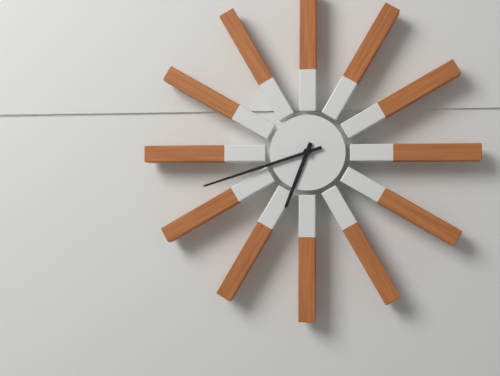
{"hour": 6, "minute": 42}
